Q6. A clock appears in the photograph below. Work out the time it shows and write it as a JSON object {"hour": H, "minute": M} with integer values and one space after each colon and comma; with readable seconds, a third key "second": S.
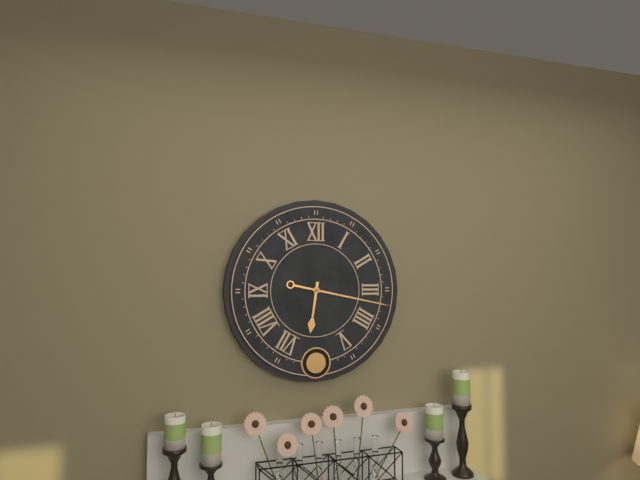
{"hour": 6, "minute": 17}
